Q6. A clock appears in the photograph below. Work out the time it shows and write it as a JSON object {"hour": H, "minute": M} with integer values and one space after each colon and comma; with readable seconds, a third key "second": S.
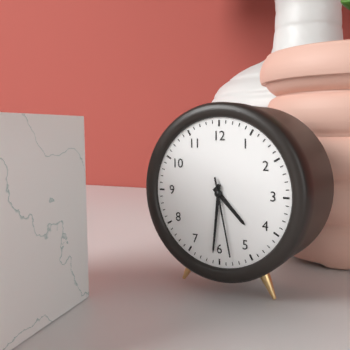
{"hour": 4, "minute": 31, "second": 28}
